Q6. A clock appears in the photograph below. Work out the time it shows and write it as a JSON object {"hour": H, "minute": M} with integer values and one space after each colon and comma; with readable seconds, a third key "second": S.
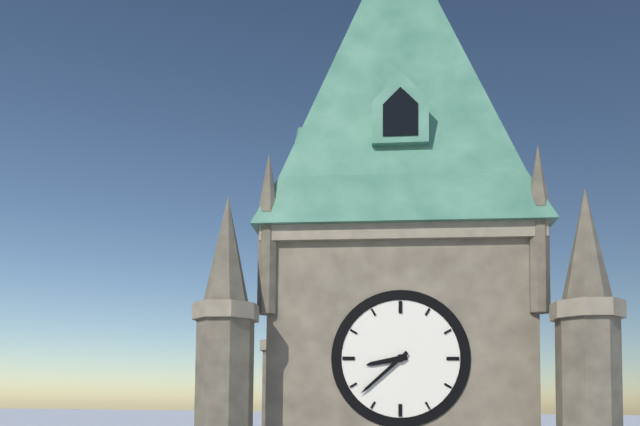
{"hour": 8, "minute": 38}
